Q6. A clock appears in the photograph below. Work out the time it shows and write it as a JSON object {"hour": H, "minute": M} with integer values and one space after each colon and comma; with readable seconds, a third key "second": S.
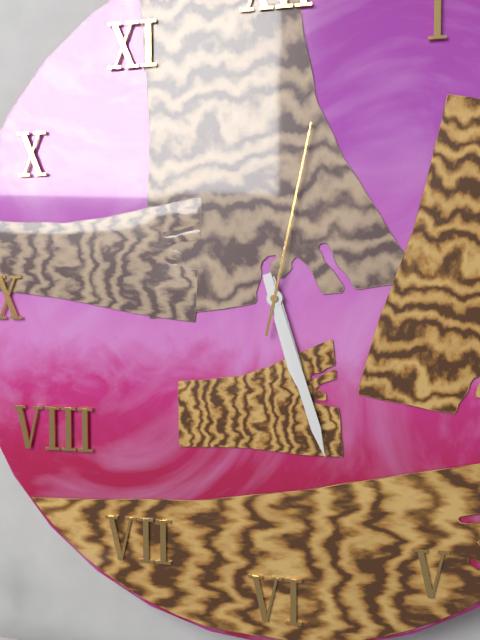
{"hour": 5, "minute": 27, "second": 2}
